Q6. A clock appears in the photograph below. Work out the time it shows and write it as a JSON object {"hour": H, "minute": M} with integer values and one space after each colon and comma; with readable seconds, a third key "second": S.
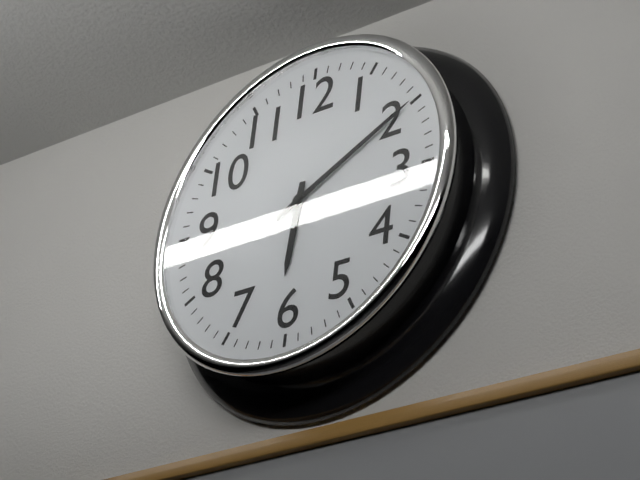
{"hour": 6, "minute": 10}
